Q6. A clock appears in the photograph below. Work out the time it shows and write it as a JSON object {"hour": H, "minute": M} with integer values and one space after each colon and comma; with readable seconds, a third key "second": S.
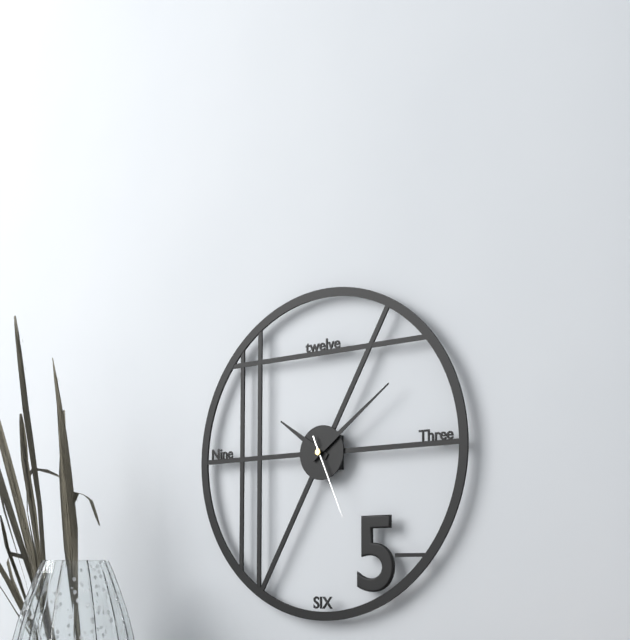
{"hour": 10, "minute": 9, "second": 26}
